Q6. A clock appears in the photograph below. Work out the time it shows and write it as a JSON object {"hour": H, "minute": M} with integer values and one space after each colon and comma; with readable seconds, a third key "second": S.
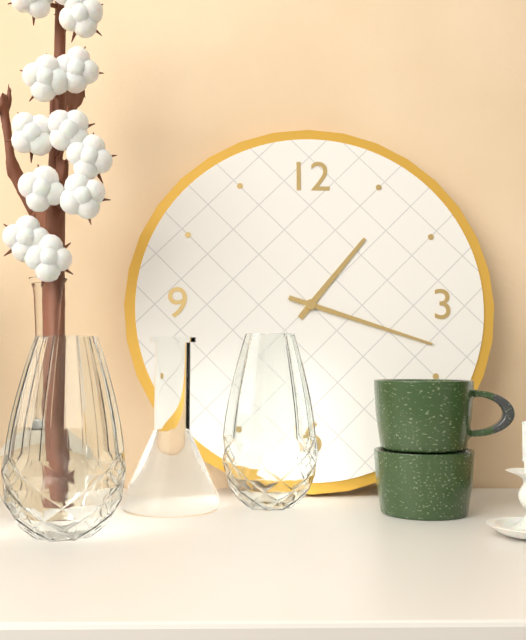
{"hour": 1, "minute": 18}
